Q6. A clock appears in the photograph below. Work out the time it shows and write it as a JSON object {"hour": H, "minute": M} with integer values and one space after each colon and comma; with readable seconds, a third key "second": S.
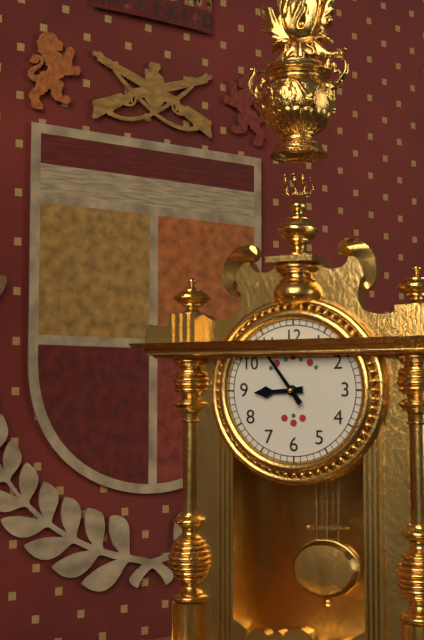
{"hour": 8, "minute": 54}
